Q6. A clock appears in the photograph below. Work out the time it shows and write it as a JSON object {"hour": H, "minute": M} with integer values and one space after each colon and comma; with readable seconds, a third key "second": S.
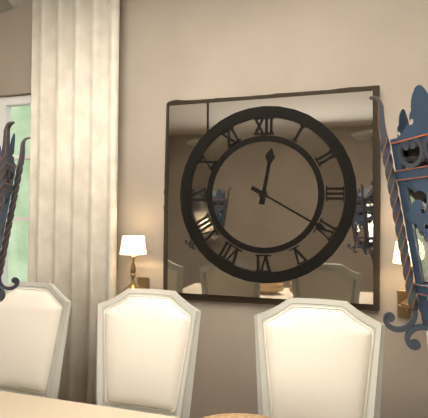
{"hour": 12, "minute": 20}
